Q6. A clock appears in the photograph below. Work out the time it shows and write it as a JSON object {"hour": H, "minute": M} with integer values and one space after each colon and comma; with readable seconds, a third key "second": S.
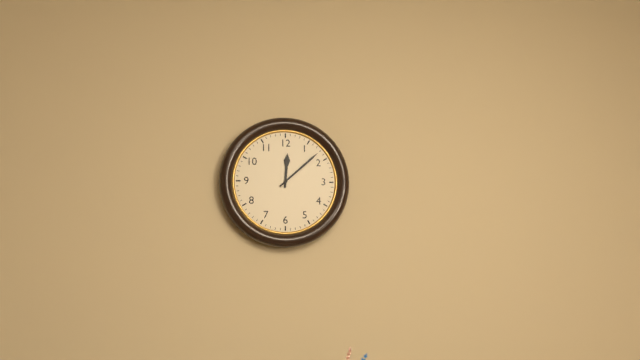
{"hour": 12, "minute": 8}
